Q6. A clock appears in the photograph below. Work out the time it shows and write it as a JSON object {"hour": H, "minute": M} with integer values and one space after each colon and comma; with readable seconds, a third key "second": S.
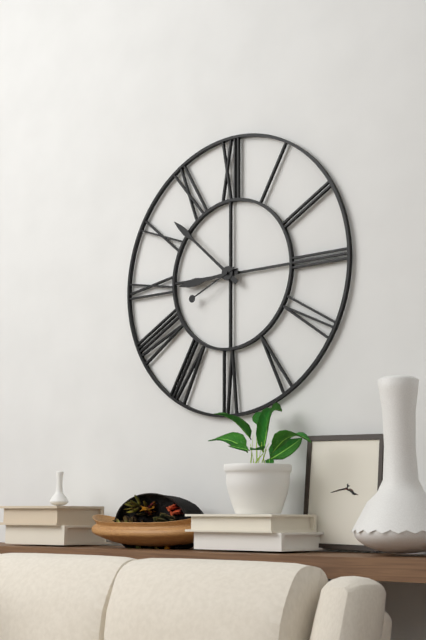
{"hour": 8, "minute": 52, "second": 41}
